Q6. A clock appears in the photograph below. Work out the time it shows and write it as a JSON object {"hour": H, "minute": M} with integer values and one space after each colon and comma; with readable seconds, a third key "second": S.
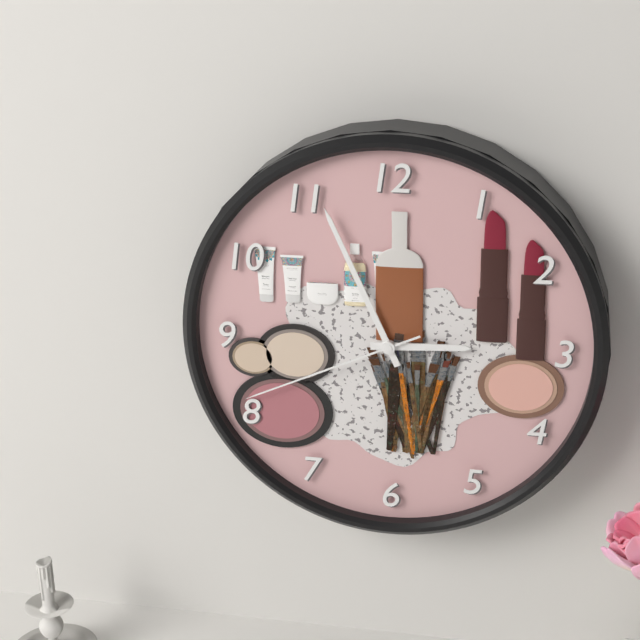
{"hour": 2, "minute": 56, "second": 41}
